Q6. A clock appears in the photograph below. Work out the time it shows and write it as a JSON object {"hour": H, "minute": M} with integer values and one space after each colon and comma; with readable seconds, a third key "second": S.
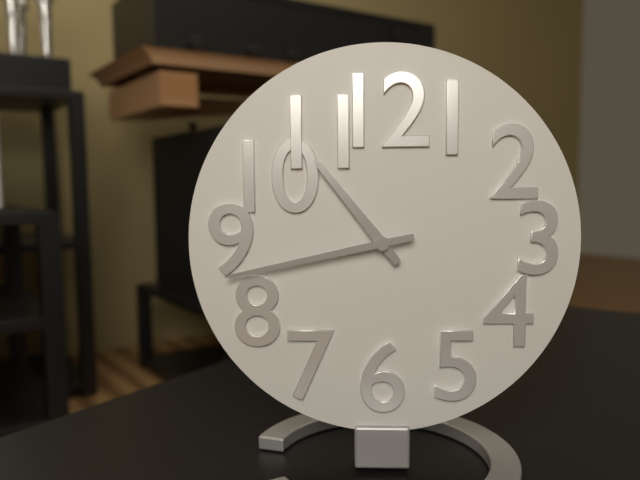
{"hour": 10, "minute": 43}
